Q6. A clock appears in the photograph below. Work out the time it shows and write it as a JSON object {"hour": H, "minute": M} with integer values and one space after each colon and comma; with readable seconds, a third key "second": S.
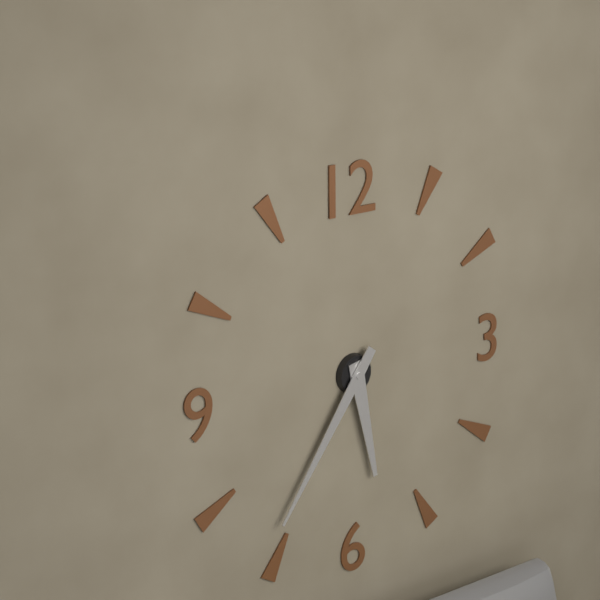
{"hour": 5, "minute": 36}
